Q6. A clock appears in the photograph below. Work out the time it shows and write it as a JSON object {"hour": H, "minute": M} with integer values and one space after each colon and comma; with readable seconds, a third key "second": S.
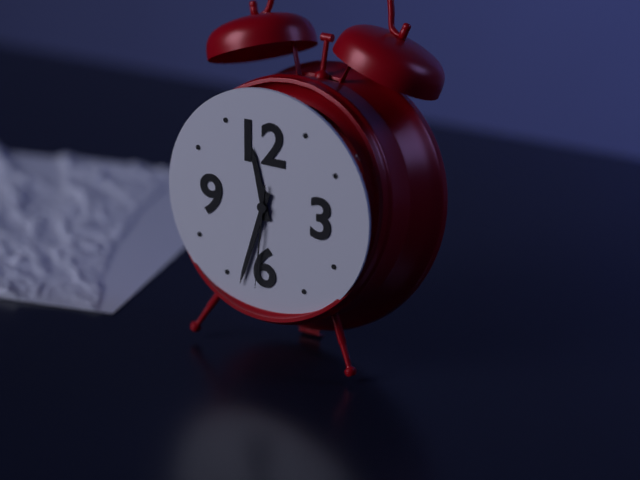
{"hour": 11, "minute": 33, "second": 31}
